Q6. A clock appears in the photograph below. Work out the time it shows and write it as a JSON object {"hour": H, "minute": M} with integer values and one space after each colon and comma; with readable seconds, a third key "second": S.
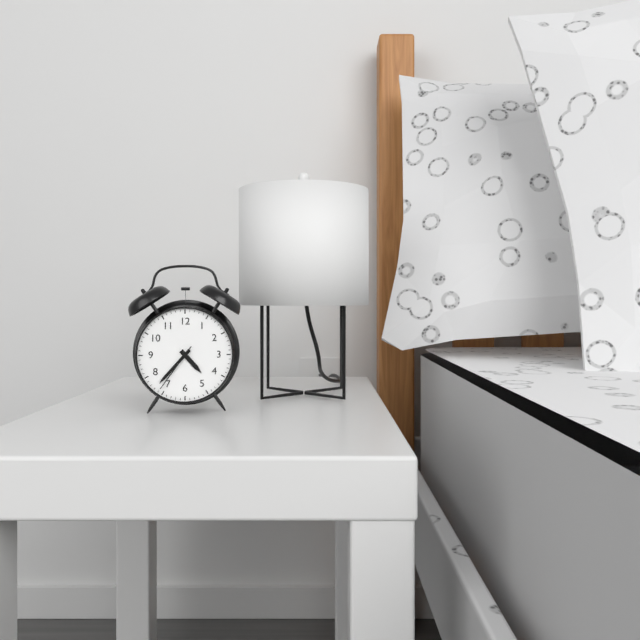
{"hour": 4, "minute": 37, "second": 36}
